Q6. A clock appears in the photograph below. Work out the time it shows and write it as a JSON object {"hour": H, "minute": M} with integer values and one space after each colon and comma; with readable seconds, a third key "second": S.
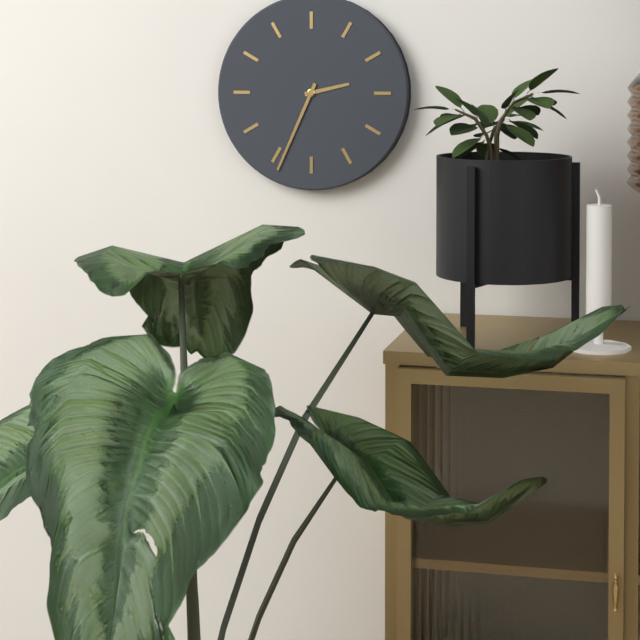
{"hour": 2, "minute": 34}
